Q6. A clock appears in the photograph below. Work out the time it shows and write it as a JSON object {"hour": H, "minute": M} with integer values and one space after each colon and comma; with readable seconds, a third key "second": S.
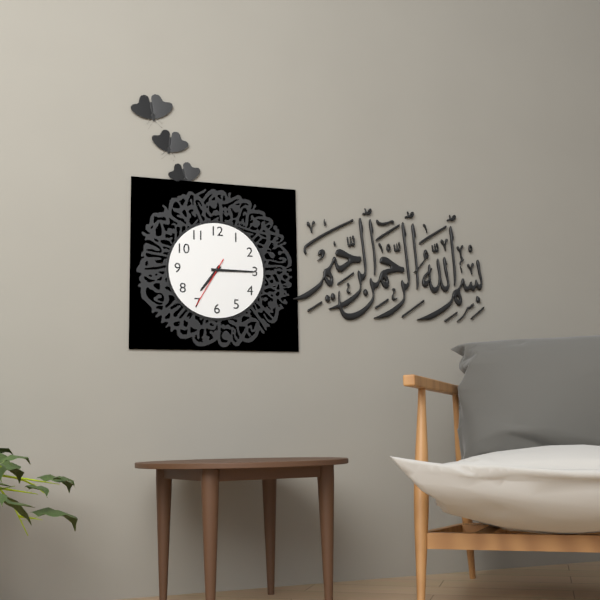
{"hour": 7, "minute": 15, "second": 35}
